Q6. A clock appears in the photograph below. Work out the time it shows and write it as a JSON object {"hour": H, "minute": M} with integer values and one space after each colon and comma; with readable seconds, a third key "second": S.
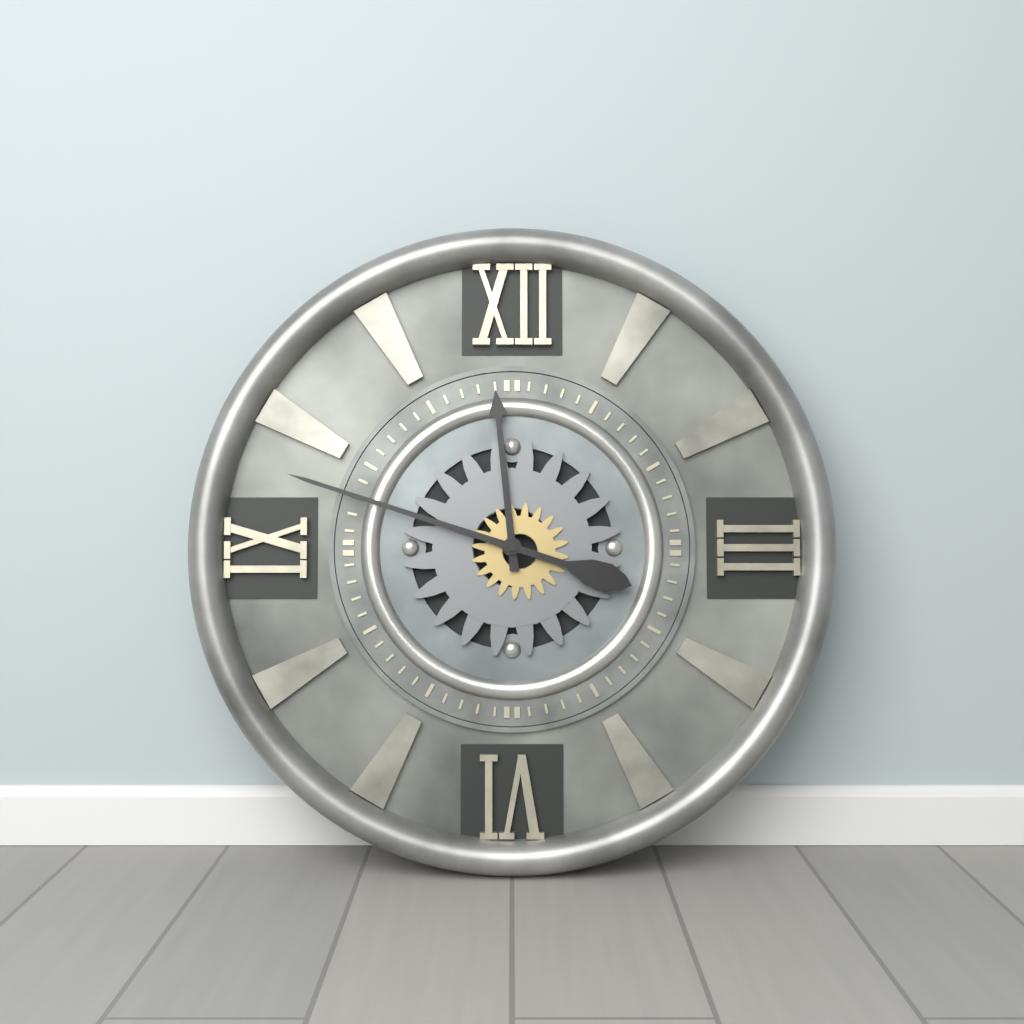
{"hour": 11, "minute": 48}
